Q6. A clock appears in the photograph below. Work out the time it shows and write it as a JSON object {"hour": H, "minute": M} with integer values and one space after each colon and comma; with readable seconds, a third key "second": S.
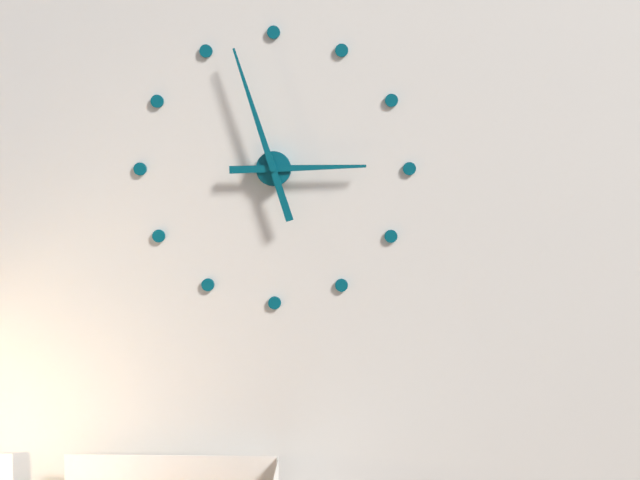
{"hour": 2, "minute": 57}
